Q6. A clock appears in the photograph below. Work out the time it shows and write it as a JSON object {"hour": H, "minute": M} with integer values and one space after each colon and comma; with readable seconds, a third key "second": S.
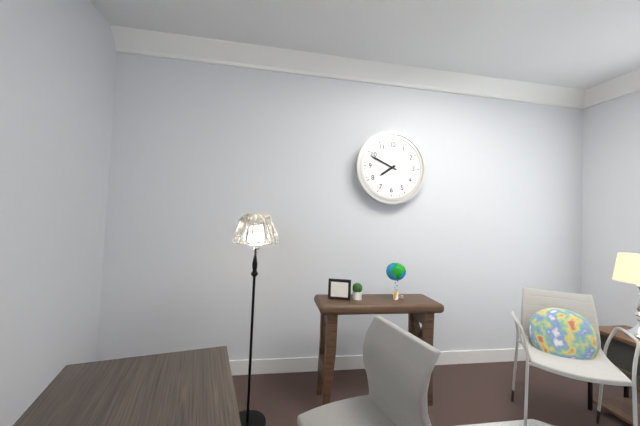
{"hour": 7, "minute": 49}
